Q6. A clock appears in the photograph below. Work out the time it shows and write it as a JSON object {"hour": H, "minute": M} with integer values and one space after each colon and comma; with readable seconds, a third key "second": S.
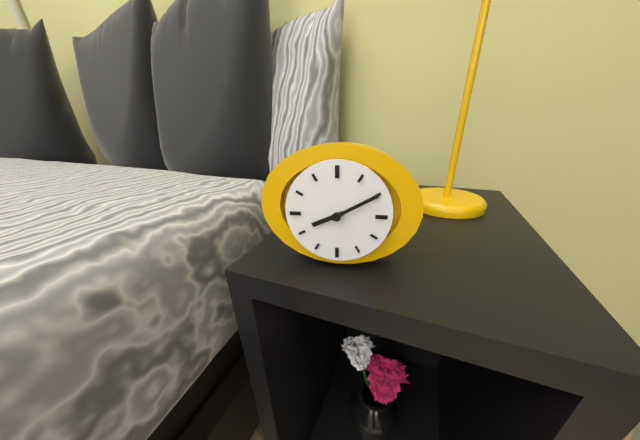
{"hour": 8, "minute": 10}
